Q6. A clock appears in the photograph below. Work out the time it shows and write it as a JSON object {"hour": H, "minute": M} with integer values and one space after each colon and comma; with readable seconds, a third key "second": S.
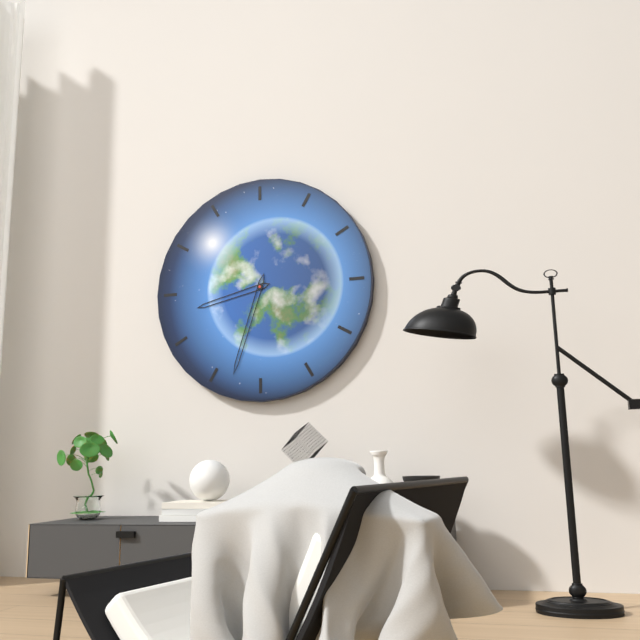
{"hour": 8, "minute": 33}
